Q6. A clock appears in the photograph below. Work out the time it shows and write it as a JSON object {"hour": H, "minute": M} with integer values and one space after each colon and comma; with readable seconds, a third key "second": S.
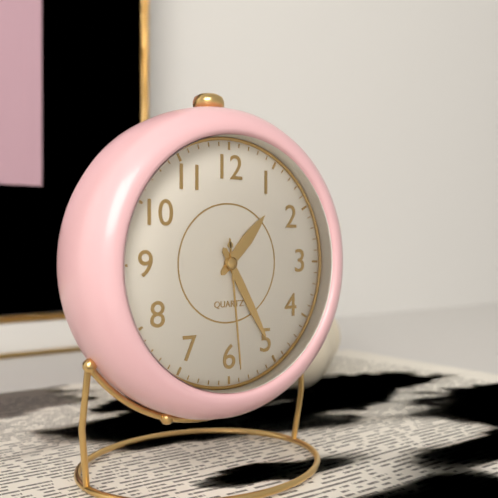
{"hour": 1, "minute": 25, "second": 29}
